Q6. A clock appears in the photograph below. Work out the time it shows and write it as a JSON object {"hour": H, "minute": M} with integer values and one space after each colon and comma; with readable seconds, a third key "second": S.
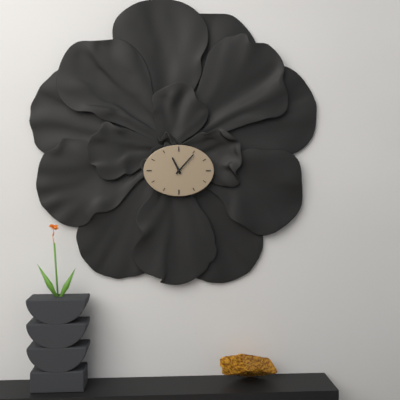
{"hour": 11, "minute": 7}
